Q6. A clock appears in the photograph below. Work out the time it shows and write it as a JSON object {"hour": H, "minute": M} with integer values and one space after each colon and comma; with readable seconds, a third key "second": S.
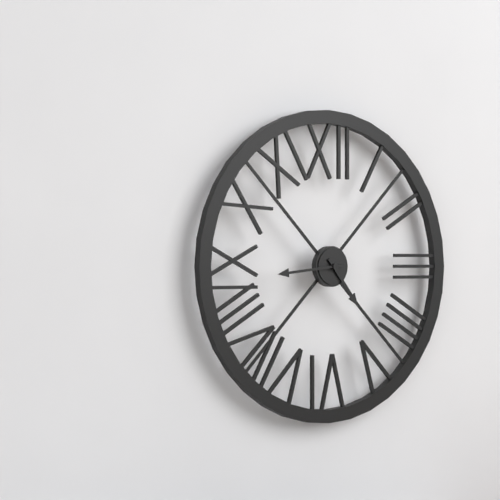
{"hour": 4, "minute": 44}
